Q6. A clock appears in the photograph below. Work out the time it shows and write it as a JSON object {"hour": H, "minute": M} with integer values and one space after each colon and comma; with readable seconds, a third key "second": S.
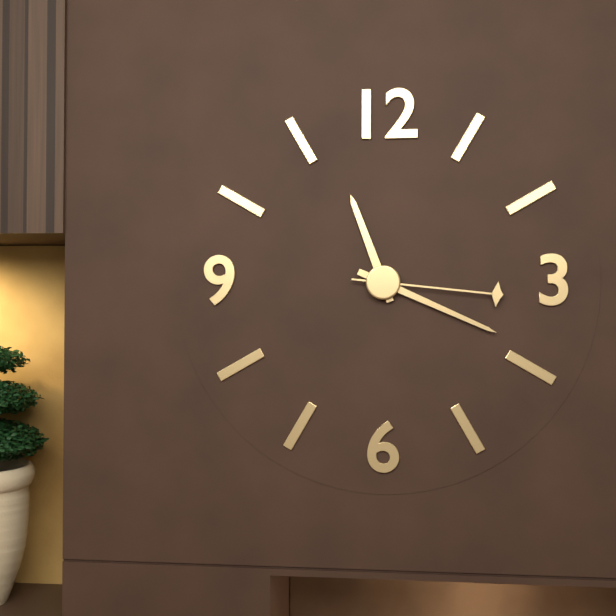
{"hour": 11, "minute": 19, "second": 16}
